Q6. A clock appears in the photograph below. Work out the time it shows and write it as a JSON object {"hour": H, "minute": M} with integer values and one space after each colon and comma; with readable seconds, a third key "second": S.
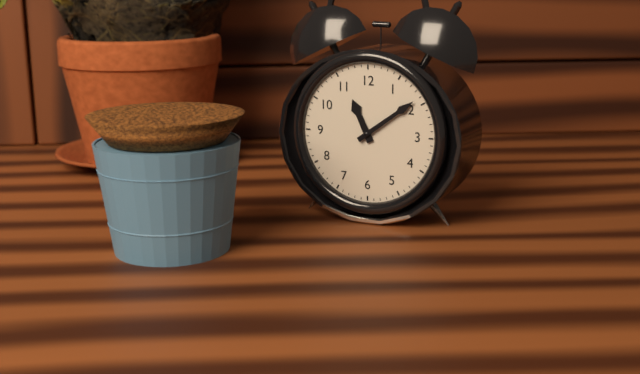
{"hour": 11, "minute": 9}
